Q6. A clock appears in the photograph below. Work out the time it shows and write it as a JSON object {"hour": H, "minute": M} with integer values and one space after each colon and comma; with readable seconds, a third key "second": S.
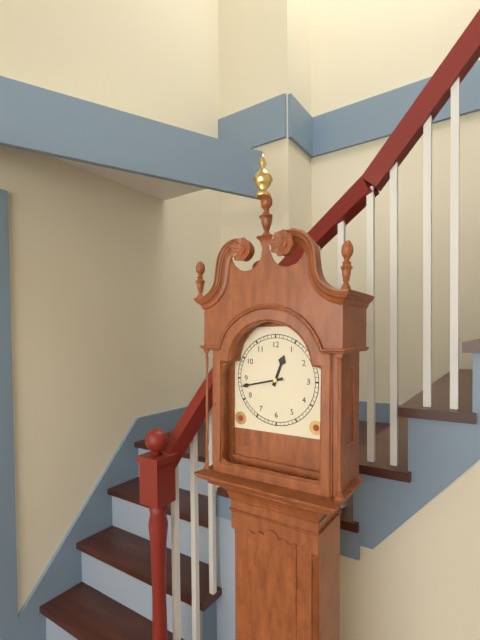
{"hour": 12, "minute": 43}
